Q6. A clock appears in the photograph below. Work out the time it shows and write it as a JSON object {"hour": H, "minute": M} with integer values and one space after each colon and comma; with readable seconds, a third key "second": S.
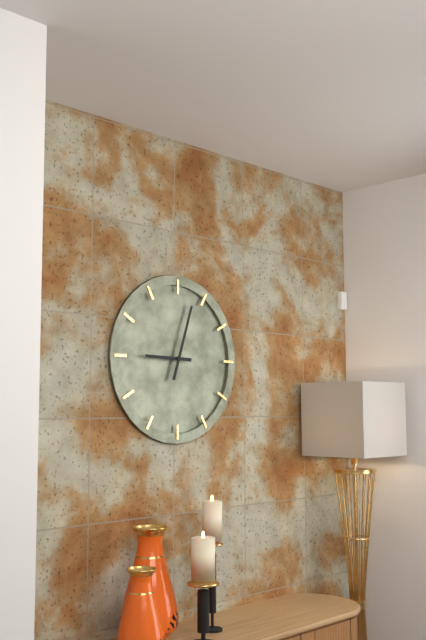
{"hour": 9, "minute": 3}
